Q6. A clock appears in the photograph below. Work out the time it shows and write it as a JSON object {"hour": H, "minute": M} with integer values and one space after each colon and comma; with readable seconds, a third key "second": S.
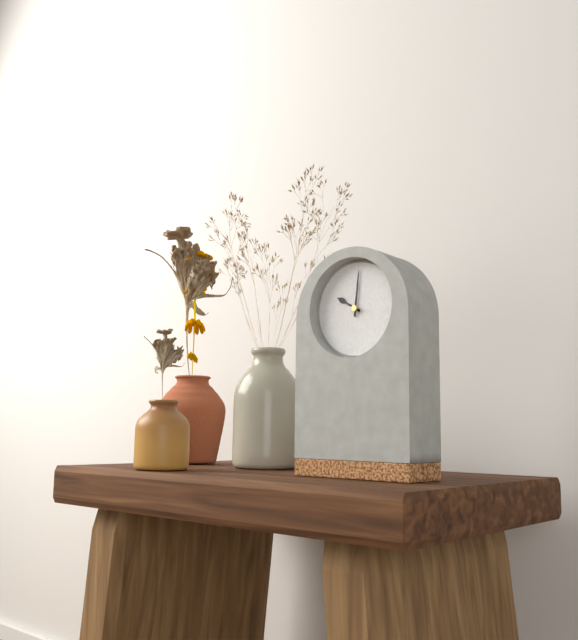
{"hour": 10, "minute": 1}
